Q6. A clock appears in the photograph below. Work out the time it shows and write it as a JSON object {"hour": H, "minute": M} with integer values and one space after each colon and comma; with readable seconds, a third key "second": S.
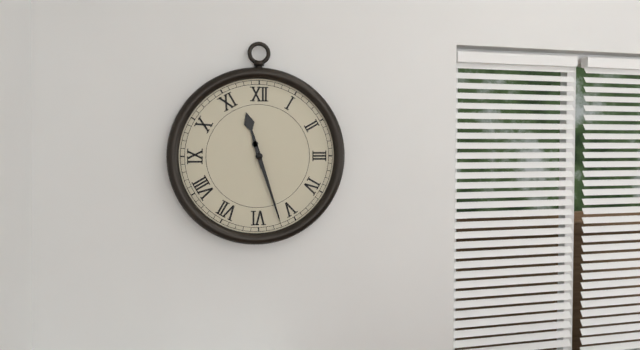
{"hour": 11, "minute": 27}
